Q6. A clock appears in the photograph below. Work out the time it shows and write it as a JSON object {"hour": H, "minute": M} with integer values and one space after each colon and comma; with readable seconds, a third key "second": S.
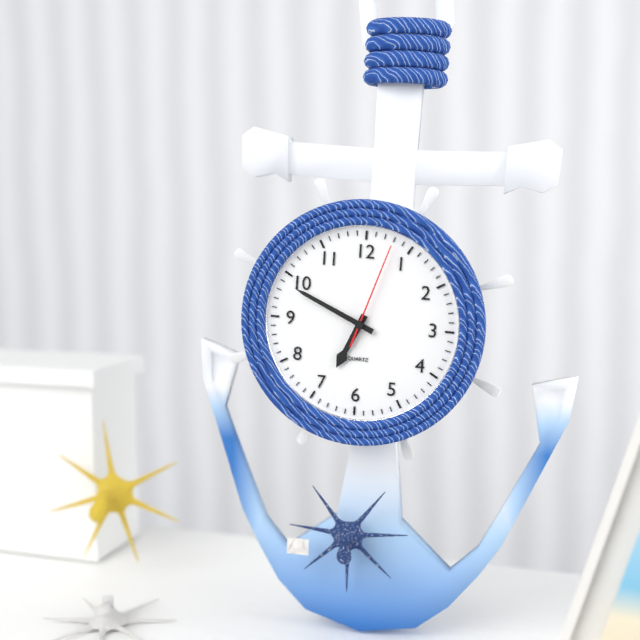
{"hour": 6, "minute": 49, "second": 3}
